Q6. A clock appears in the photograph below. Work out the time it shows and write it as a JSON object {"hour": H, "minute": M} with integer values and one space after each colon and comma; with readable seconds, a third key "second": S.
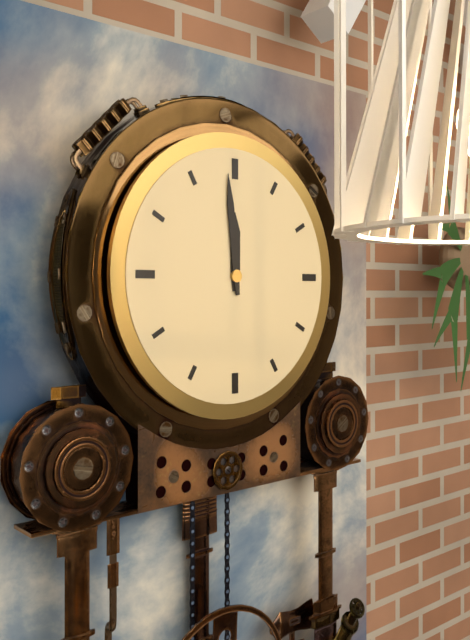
{"hour": 11, "minute": 59}
